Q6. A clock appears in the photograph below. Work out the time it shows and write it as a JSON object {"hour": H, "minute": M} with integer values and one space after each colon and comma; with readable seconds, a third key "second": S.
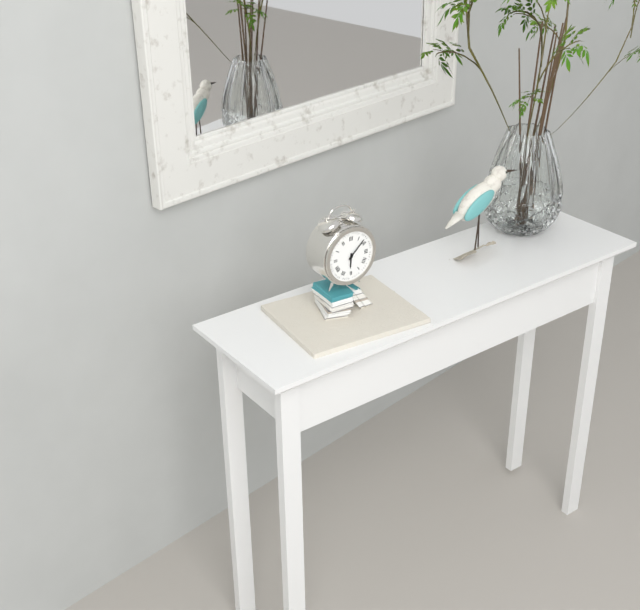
{"hour": 6, "minute": 8}
